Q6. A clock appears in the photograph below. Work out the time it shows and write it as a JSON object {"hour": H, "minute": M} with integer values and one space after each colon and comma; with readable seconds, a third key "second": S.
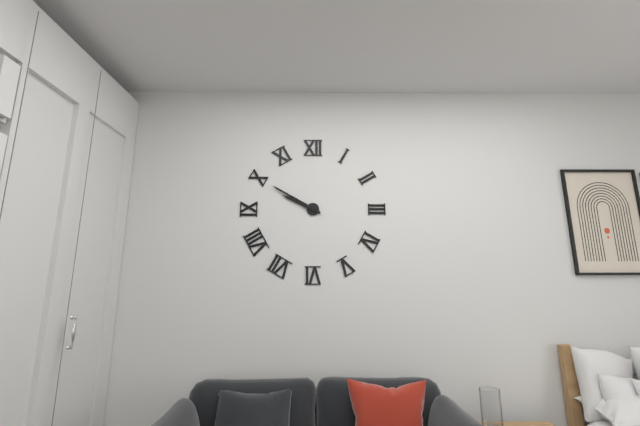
{"hour": 9, "minute": 50}
